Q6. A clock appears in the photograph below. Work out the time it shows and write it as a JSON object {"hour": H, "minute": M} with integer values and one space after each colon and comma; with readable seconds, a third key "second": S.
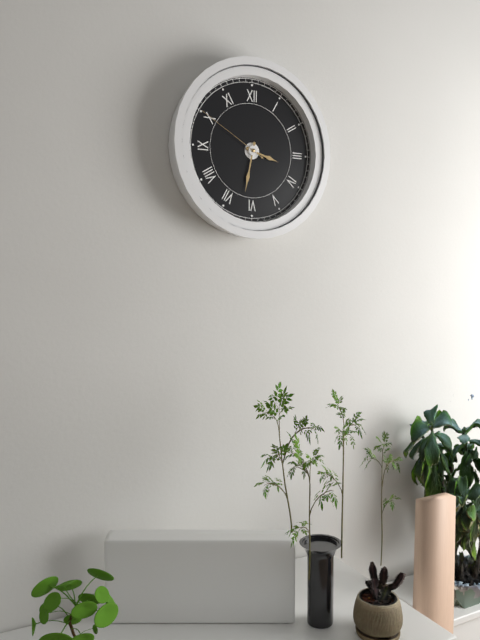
{"hour": 3, "minute": 32, "second": 50}
